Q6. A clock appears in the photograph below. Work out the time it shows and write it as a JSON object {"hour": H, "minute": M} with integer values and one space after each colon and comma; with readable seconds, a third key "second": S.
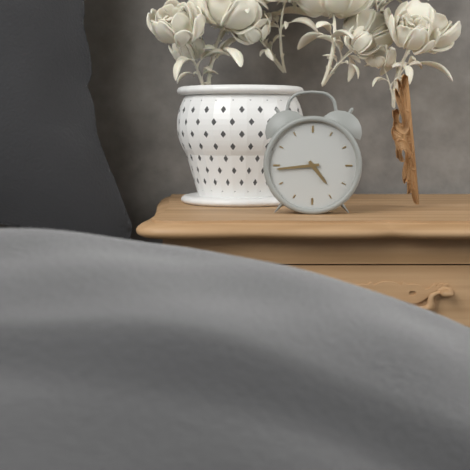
{"hour": 4, "minute": 44}
